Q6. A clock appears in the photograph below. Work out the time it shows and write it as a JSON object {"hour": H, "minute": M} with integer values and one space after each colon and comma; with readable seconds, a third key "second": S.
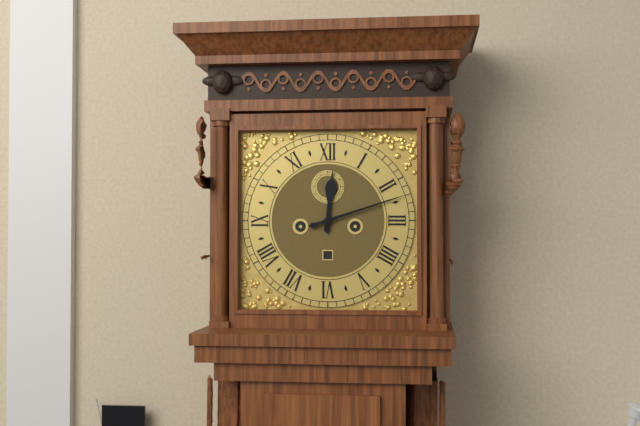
{"hour": 12, "minute": 12}
